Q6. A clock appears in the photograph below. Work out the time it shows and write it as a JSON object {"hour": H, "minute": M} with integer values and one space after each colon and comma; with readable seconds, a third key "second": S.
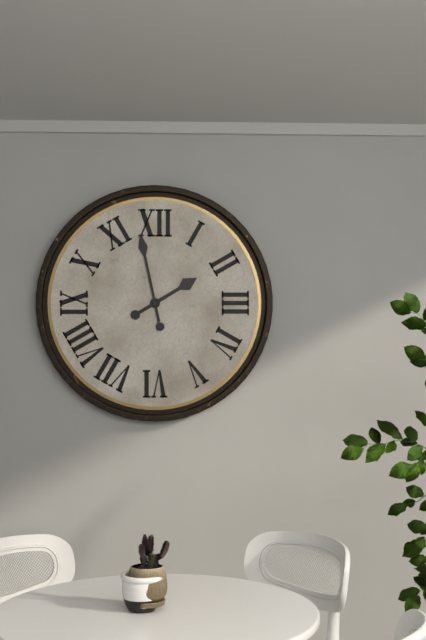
{"hour": 1, "minute": 58}
